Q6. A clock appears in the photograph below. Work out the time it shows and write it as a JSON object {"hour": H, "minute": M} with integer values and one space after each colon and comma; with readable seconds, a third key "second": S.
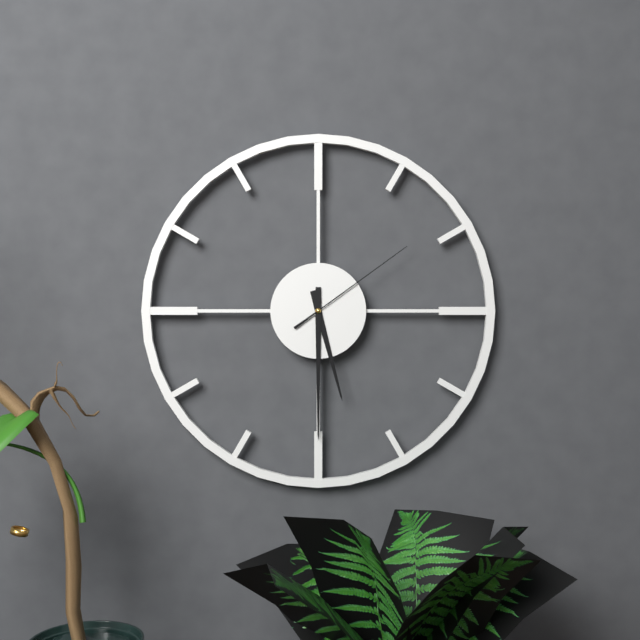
{"hour": 5, "minute": 30, "second": 9}
